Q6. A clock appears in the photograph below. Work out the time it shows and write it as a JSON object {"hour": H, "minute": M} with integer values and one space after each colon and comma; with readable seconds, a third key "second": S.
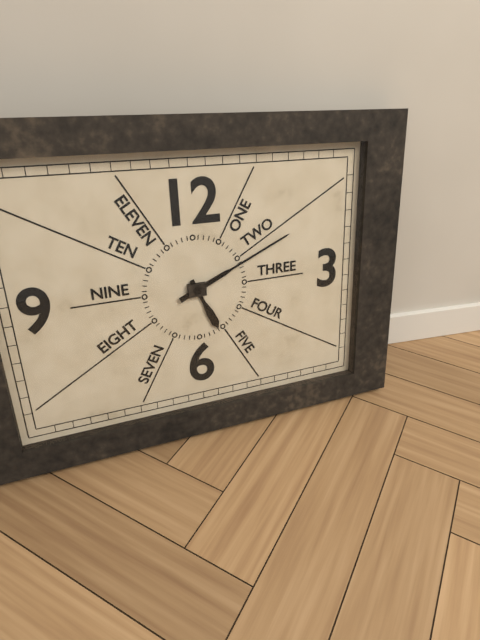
{"hour": 5, "minute": 11}
